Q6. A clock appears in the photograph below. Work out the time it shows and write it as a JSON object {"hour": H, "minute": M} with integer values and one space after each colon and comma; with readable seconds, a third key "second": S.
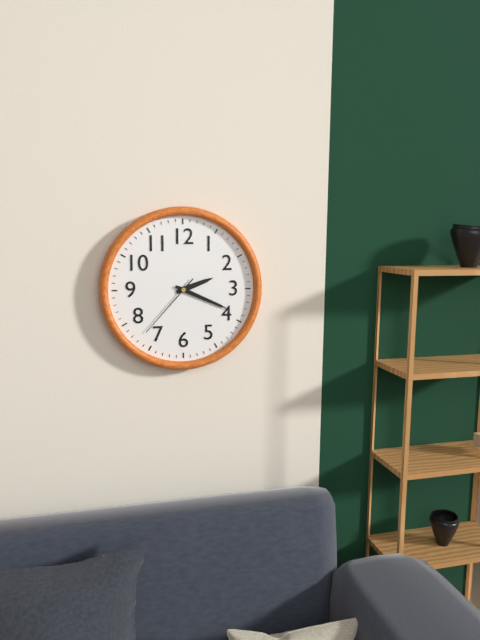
{"hour": 2, "minute": 19, "second": 37}
